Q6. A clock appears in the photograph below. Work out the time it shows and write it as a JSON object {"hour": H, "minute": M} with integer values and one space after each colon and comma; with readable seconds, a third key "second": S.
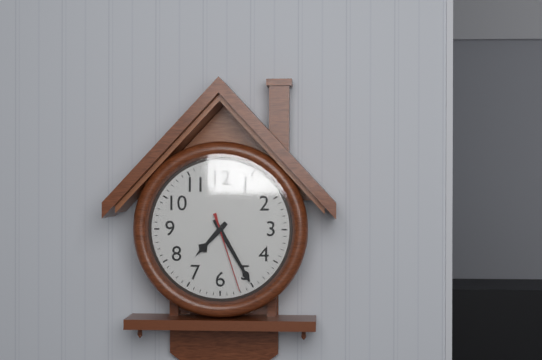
{"hour": 7, "minute": 25, "second": 27}
